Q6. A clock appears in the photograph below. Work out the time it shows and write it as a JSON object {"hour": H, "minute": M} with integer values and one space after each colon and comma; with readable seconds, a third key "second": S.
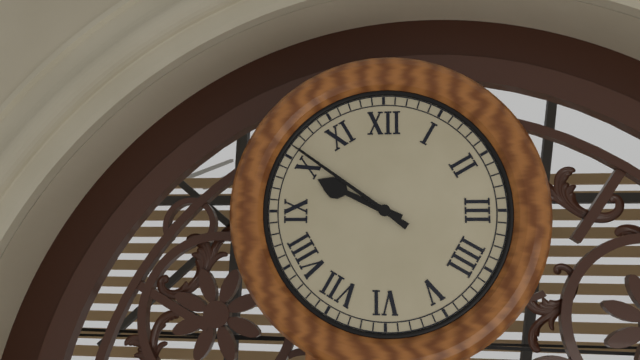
{"hour": 9, "minute": 51}
